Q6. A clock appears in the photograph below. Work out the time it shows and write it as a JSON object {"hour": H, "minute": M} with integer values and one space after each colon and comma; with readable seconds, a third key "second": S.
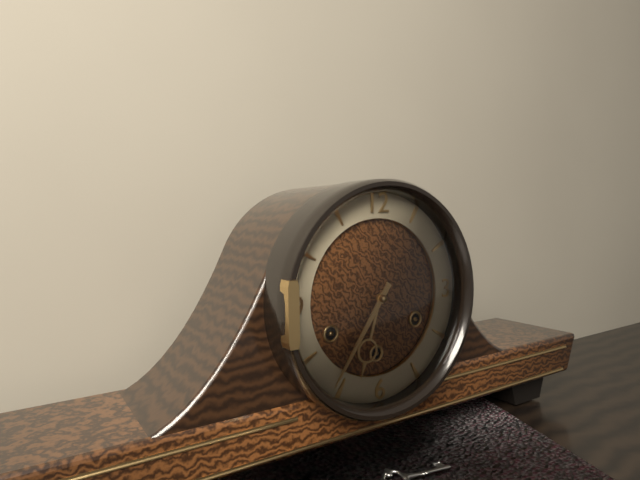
{"hour": 6, "minute": 36}
